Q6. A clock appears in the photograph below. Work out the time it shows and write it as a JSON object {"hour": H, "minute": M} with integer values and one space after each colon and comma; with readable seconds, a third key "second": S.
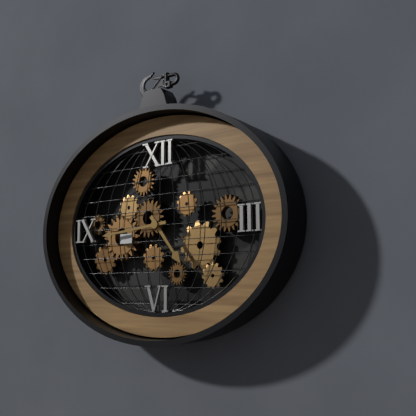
{"hour": 4, "minute": 44}
